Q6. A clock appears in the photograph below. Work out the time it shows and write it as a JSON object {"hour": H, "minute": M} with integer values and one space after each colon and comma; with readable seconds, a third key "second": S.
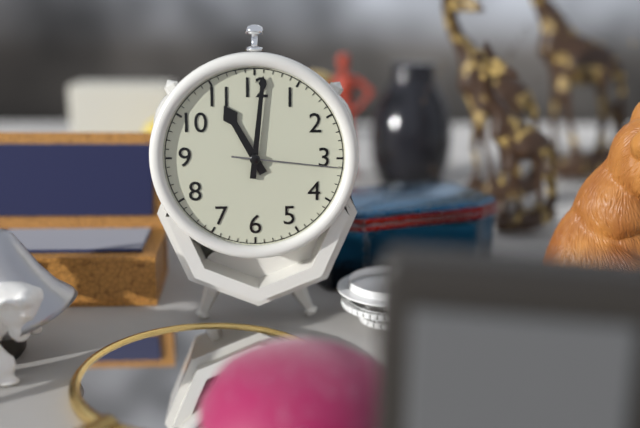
{"hour": 11, "minute": 1, "second": 16}
